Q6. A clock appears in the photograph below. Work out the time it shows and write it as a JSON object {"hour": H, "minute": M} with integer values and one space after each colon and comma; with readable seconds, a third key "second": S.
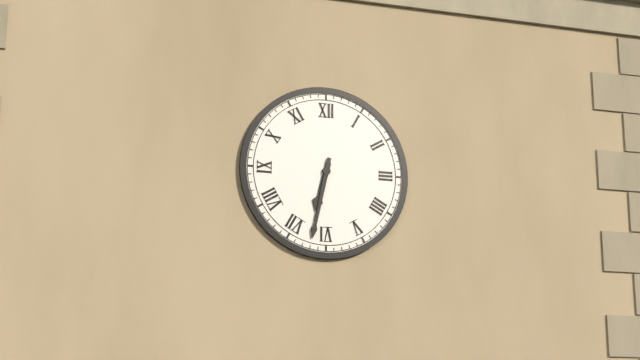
{"hour": 6, "minute": 32}
